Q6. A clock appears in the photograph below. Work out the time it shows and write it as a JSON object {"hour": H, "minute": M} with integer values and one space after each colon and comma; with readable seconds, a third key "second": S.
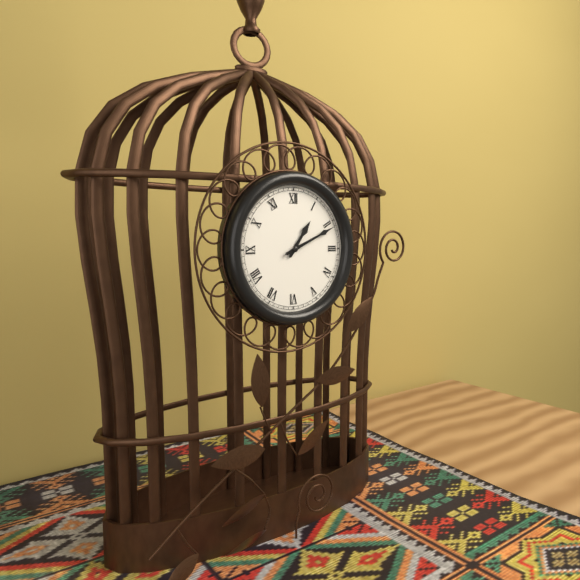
{"hour": 1, "minute": 11}
